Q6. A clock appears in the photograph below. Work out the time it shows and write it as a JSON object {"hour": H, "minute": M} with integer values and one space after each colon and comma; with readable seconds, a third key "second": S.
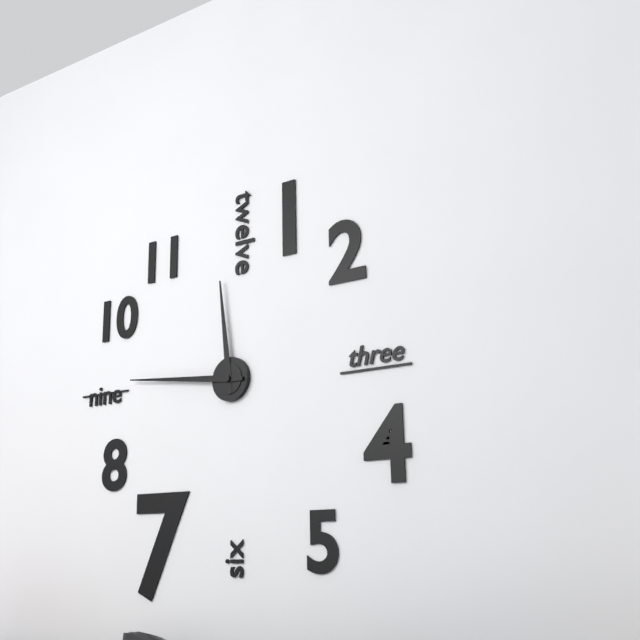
{"hour": 11, "minute": 46}
